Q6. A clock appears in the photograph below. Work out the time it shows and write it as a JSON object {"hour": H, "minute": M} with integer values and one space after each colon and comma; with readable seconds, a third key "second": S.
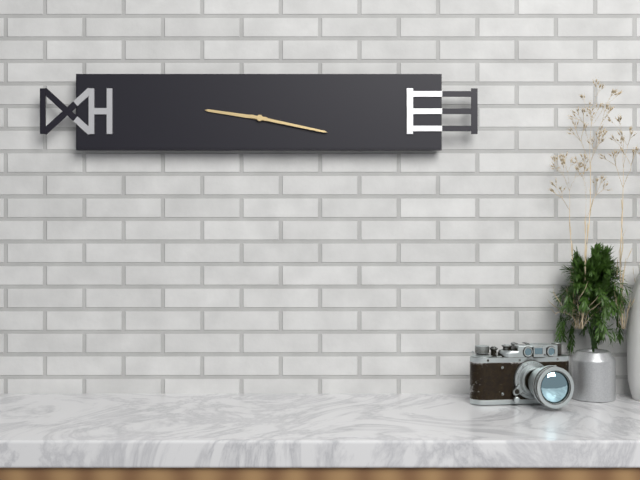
{"hour": 9, "minute": 17}
